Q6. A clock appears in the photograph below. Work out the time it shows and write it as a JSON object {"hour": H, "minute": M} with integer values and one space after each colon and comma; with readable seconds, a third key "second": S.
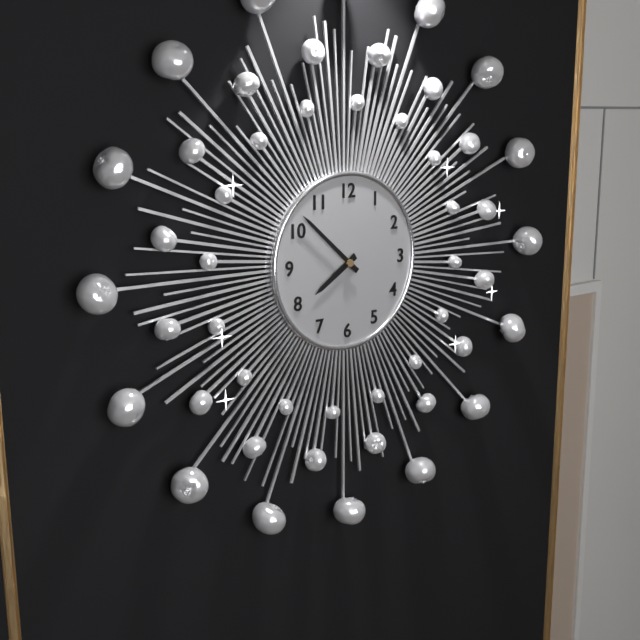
{"hour": 7, "minute": 52}
